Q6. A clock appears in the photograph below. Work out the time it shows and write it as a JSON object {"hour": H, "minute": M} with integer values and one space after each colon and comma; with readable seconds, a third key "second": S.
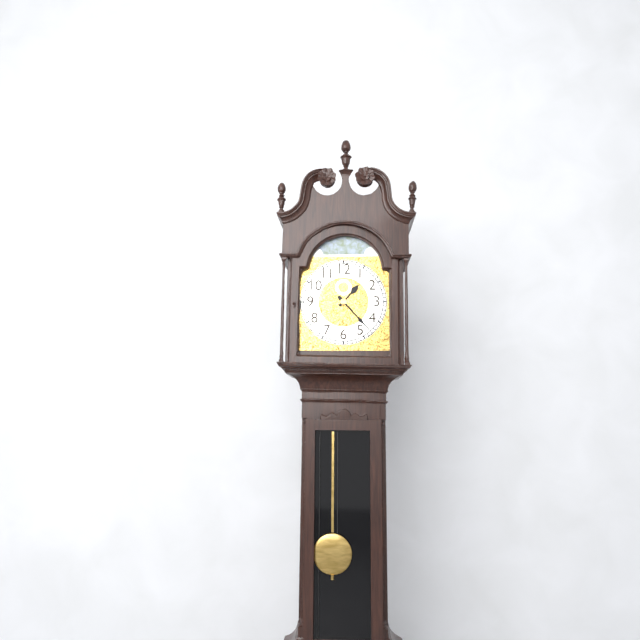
{"hour": 1, "minute": 23}
